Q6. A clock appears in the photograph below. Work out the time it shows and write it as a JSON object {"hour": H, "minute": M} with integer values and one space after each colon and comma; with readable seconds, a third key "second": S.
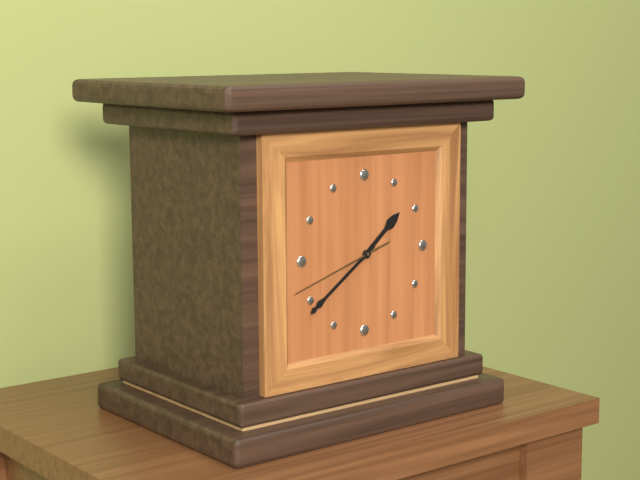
{"hour": 1, "minute": 39, "second": 42}
